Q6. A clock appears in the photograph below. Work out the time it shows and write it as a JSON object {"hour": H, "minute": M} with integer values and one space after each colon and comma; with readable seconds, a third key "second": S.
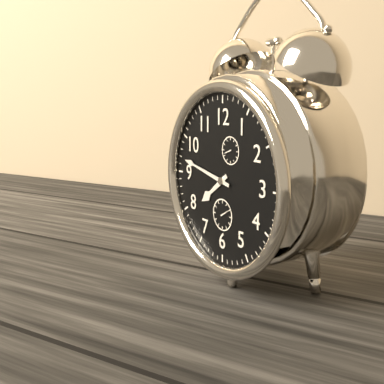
{"hour": 7, "minute": 47}
